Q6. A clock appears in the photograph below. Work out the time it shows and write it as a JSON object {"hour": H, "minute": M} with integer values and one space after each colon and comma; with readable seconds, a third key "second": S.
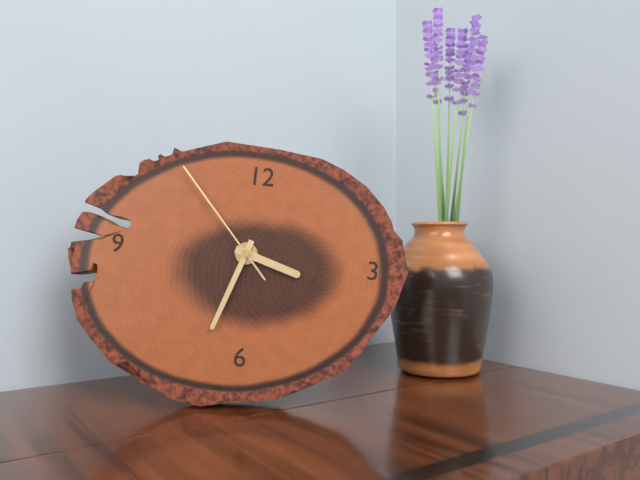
{"hour": 3, "minute": 33, "second": 53}
